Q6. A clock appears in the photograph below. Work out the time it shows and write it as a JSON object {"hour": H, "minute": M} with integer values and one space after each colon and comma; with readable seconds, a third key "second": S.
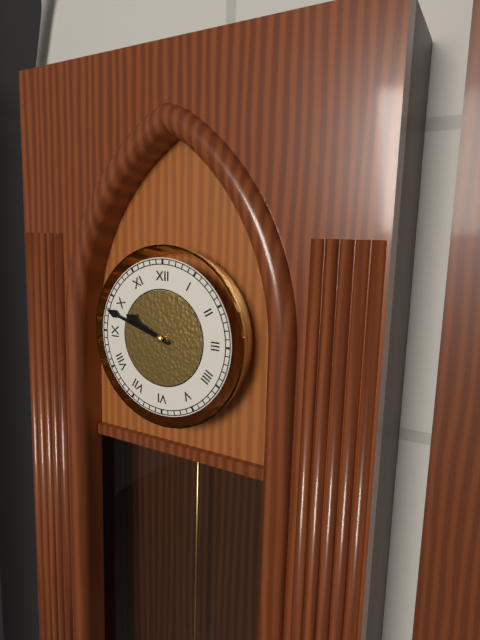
{"hour": 9, "minute": 48}
